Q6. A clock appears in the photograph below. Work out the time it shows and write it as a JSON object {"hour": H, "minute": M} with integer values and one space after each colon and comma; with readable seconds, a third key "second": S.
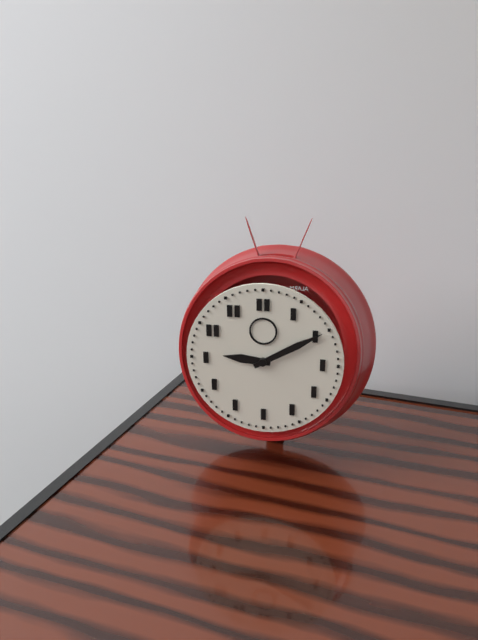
{"hour": 9, "minute": 10}
